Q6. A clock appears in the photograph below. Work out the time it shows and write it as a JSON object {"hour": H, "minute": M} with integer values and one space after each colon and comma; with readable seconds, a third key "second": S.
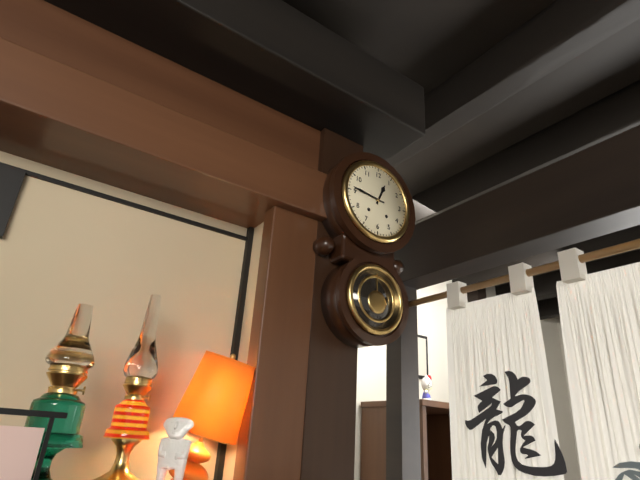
{"hour": 12, "minute": 46}
